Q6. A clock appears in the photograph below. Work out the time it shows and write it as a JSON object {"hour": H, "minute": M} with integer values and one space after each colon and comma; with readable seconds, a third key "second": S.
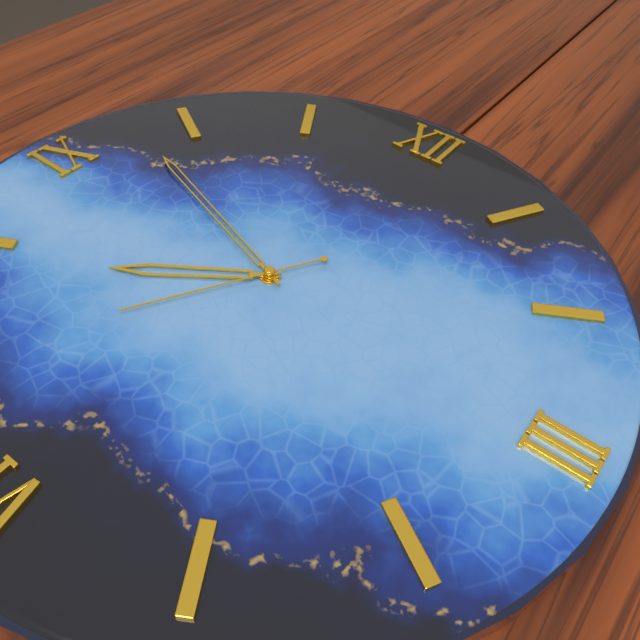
{"hour": 7, "minute": 48, "second": 35}
